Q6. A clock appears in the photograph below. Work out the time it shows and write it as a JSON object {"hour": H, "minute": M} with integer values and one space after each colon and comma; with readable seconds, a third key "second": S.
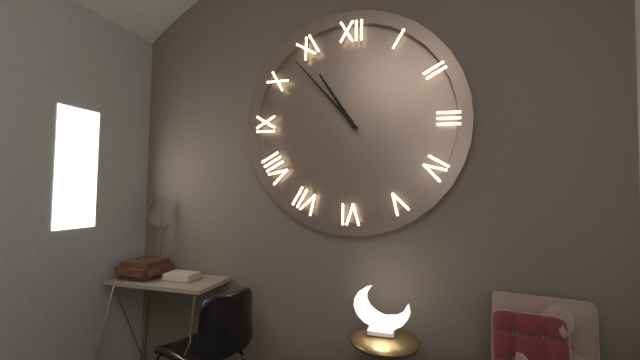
{"hour": 10, "minute": 53}
